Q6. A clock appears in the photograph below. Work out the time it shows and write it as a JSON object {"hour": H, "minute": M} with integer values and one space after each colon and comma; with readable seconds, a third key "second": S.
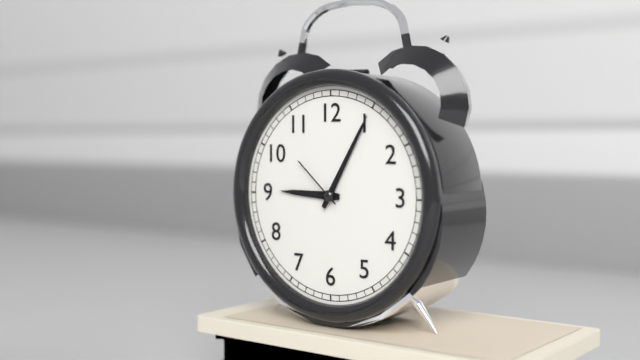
{"hour": 9, "minute": 5, "second": 52}
